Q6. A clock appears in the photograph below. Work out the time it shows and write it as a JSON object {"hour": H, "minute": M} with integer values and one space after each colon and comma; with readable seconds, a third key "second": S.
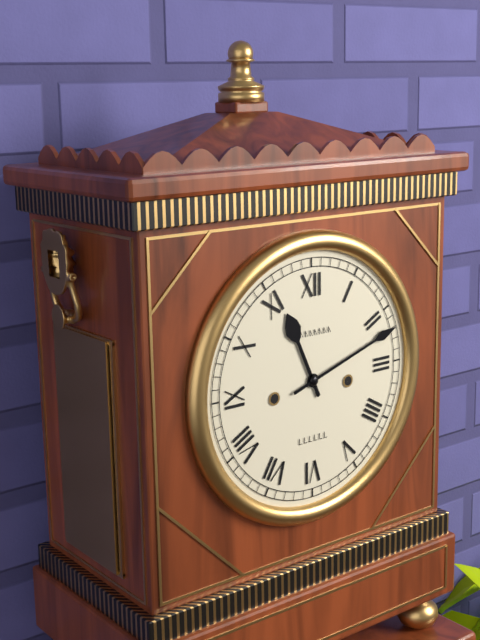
{"hour": 11, "minute": 12}
